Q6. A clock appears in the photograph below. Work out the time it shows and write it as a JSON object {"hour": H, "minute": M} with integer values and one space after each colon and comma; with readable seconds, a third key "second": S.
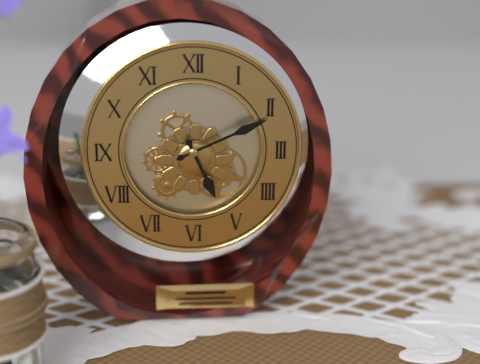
{"hour": 5, "minute": 11}
